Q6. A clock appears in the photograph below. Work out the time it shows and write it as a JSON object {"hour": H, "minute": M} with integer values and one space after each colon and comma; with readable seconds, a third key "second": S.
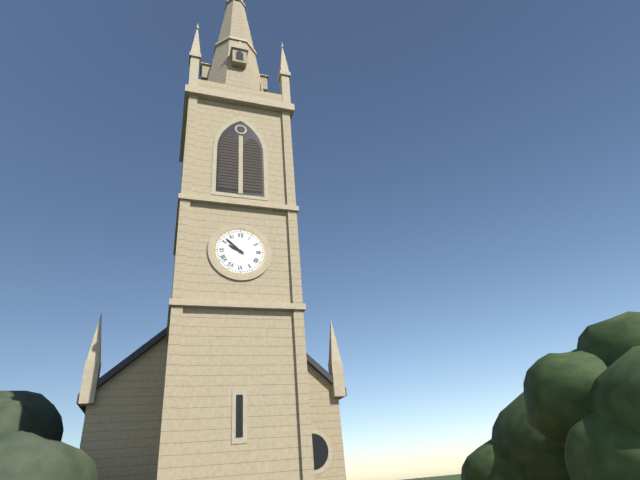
{"hour": 9, "minute": 52}
